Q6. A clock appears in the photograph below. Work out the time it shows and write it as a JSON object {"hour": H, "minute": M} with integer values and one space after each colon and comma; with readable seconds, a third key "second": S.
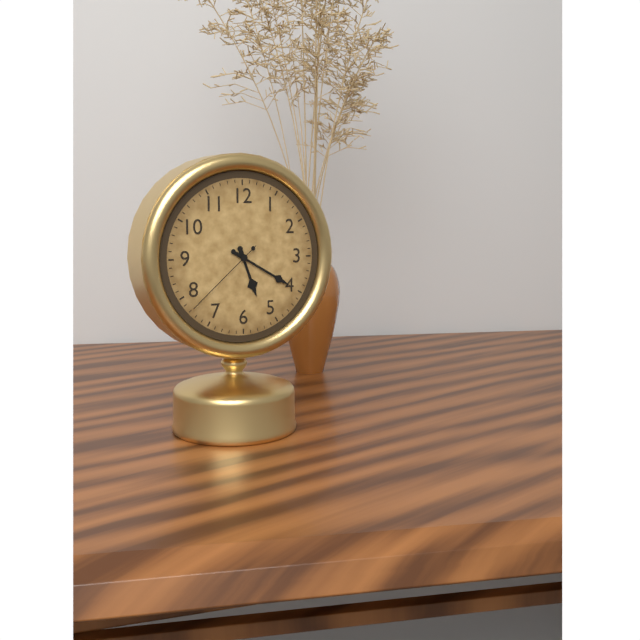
{"hour": 5, "minute": 20, "second": 38}
